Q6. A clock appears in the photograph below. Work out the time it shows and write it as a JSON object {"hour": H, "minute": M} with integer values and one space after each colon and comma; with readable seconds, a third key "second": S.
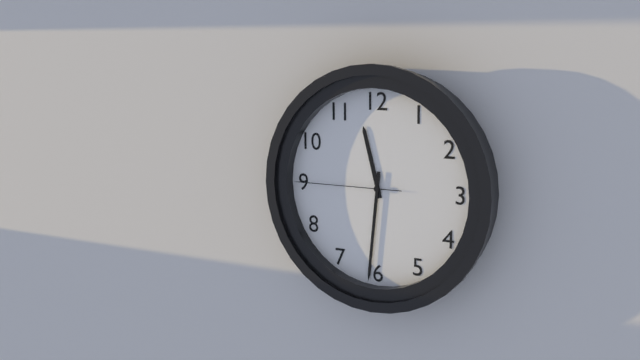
{"hour": 11, "minute": 31, "second": 45}
